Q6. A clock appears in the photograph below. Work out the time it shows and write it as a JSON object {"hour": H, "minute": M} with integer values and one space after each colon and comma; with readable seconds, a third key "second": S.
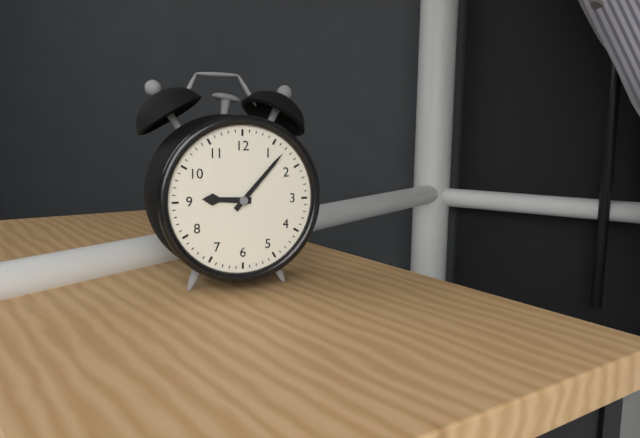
{"hour": 9, "minute": 7}
